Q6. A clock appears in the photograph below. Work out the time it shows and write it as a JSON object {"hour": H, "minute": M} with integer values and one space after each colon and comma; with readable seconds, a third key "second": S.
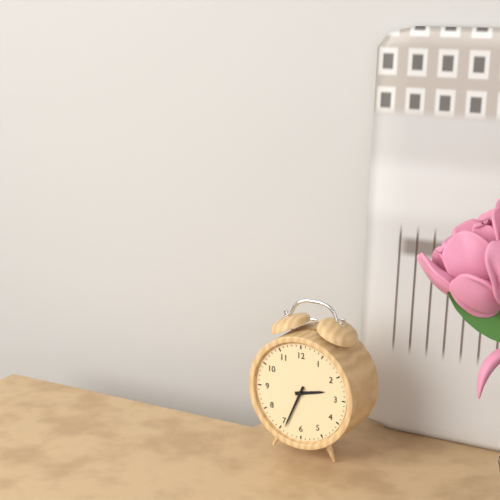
{"hour": 2, "minute": 34}
